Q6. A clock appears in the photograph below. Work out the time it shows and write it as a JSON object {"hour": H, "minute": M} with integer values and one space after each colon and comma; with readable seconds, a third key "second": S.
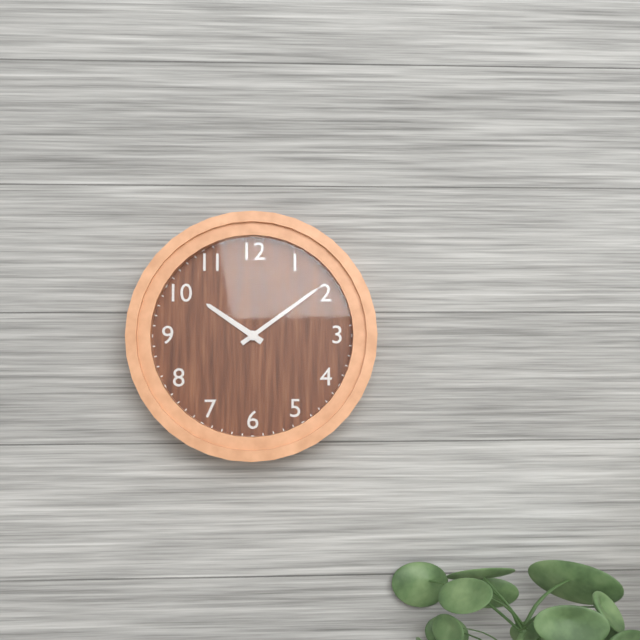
{"hour": 10, "minute": 9}
